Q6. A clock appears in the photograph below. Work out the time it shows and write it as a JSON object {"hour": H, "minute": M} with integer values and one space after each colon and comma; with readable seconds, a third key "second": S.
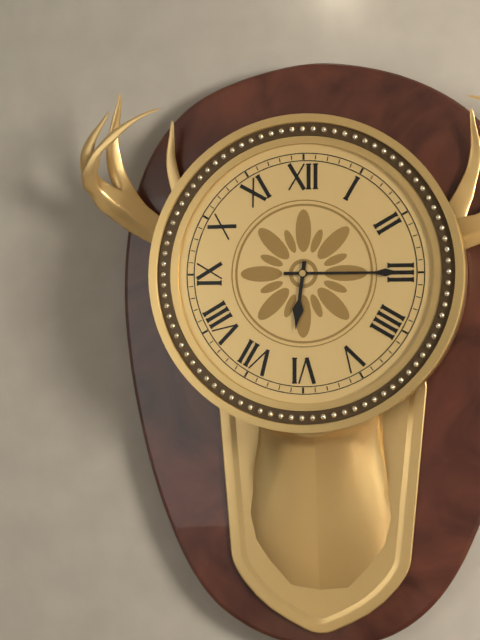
{"hour": 6, "minute": 15}
